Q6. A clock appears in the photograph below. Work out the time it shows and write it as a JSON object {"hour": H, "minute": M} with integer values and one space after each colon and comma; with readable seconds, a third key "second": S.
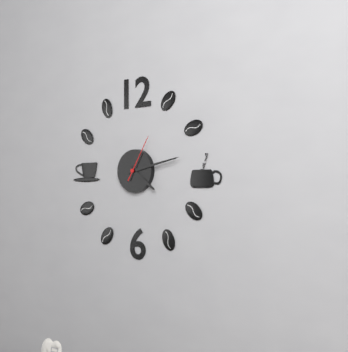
{"hour": 4, "minute": 13}
